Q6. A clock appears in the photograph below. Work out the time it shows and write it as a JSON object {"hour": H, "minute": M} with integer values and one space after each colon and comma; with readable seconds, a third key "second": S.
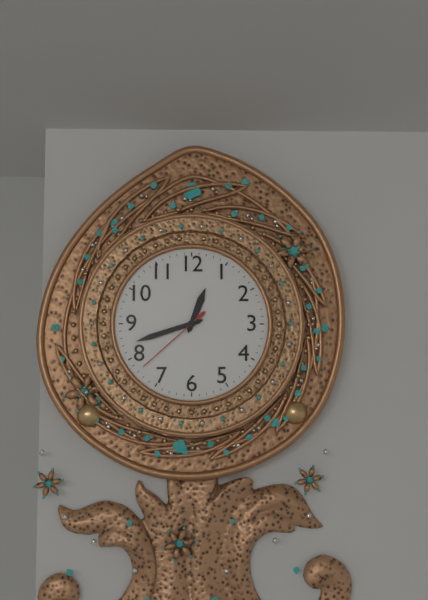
{"hour": 12, "minute": 42, "second": 38}
